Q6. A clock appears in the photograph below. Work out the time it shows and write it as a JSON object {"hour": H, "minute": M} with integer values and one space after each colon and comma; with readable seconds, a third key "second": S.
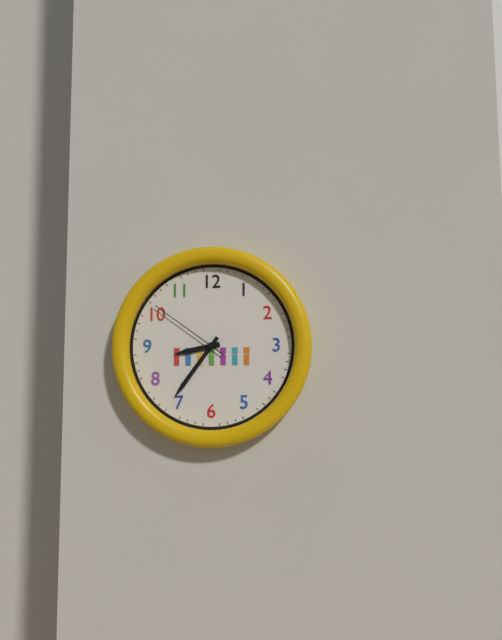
{"hour": 8, "minute": 36, "second": 51}
